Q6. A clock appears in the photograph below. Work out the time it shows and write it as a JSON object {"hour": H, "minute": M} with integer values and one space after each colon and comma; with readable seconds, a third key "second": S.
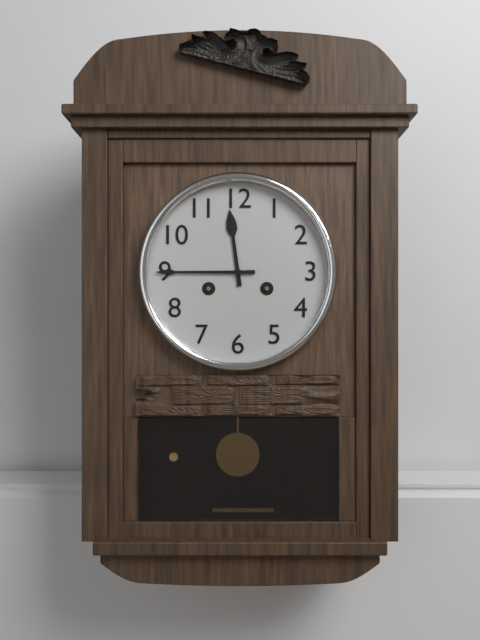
{"hour": 11, "minute": 45}
